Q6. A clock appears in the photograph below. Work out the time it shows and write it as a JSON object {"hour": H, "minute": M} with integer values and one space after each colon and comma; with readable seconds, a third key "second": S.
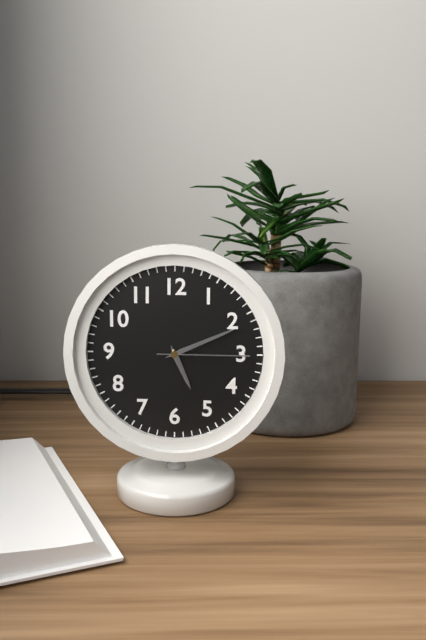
{"hour": 5, "minute": 11, "second": 15}
